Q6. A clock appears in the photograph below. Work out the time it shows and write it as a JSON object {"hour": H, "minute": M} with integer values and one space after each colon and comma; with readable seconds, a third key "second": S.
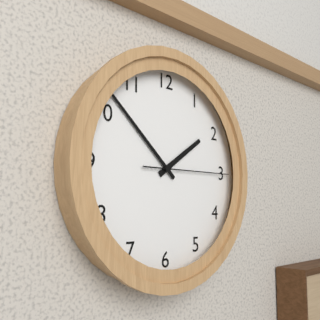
{"hour": 1, "minute": 52, "second": 15}
